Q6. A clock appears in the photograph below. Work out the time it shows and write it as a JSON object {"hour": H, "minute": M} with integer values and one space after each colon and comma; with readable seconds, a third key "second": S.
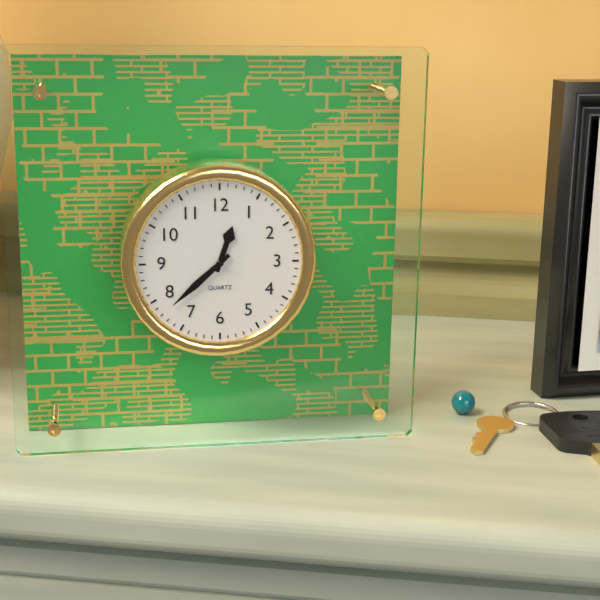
{"hour": 12, "minute": 38}
